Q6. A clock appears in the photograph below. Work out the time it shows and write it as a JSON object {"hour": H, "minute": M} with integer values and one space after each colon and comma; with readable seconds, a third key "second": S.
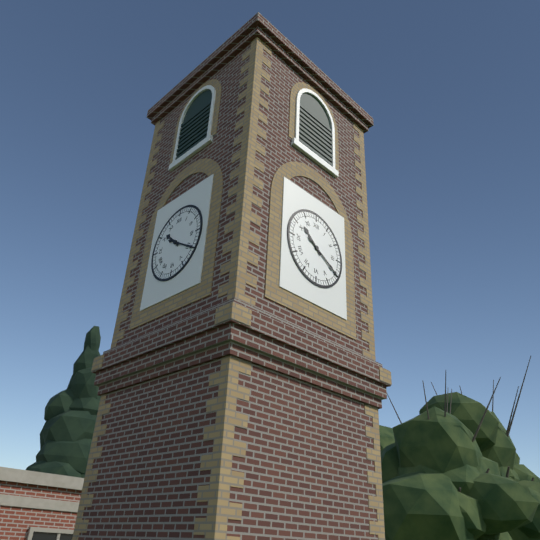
{"hour": 10, "minute": 20}
